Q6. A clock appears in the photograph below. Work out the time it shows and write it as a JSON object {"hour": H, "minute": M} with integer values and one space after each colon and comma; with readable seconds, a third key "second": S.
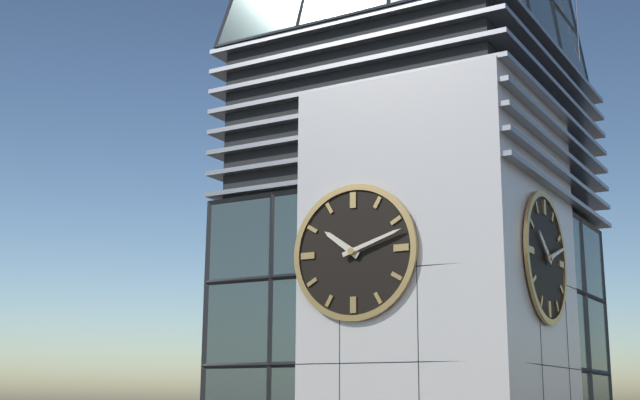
{"hour": 10, "minute": 12}
